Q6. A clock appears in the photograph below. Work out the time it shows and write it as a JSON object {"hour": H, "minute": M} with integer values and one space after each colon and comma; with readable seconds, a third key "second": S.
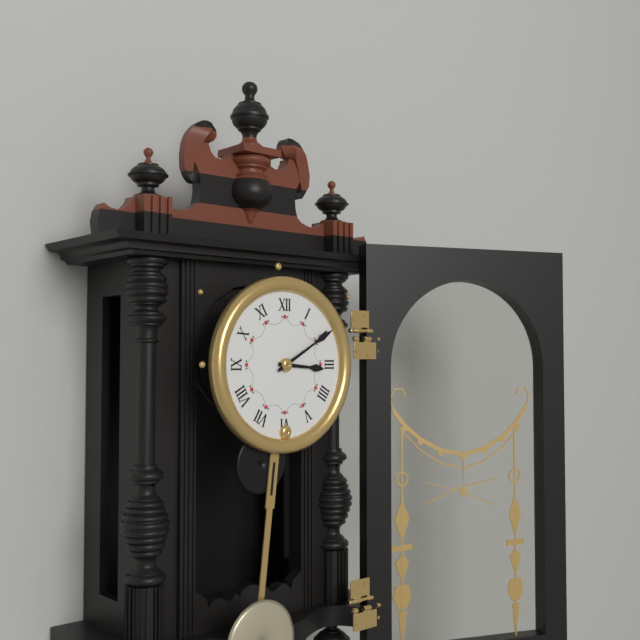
{"hour": 3, "minute": 10}
